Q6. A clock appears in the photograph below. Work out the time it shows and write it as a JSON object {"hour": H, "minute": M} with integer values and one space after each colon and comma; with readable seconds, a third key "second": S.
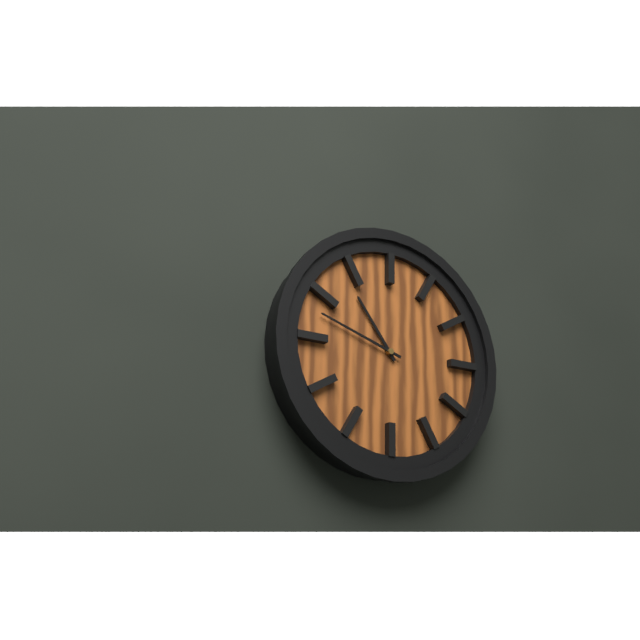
{"hour": 10, "minute": 48}
